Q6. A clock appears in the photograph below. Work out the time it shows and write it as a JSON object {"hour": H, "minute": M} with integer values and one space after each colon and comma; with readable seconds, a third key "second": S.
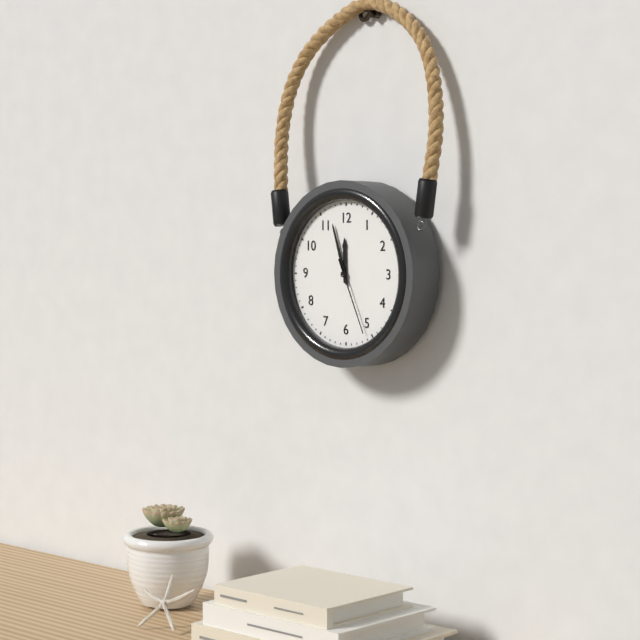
{"hour": 11, "minute": 57, "second": 26}
